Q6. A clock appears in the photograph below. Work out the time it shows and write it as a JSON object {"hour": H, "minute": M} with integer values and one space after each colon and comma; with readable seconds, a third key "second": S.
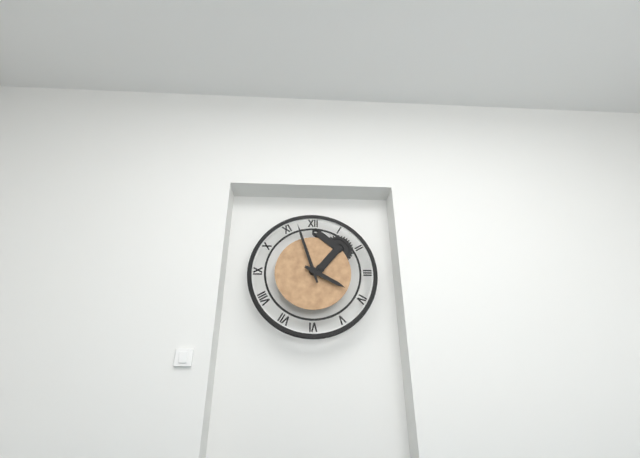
{"hour": 3, "minute": 57}
